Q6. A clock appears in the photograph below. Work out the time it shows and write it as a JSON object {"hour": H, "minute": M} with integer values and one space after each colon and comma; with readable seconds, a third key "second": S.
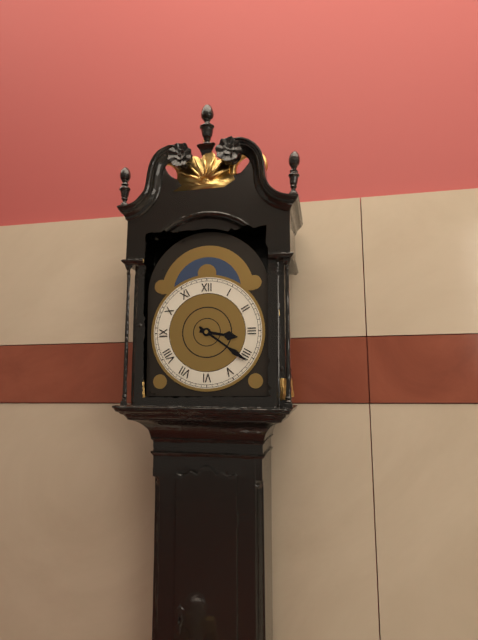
{"hour": 3, "minute": 21}
